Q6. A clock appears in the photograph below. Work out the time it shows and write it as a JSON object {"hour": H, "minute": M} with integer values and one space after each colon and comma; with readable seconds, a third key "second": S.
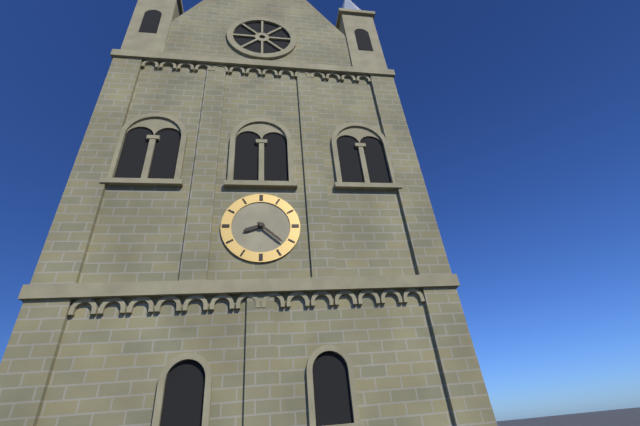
{"hour": 8, "minute": 22}
